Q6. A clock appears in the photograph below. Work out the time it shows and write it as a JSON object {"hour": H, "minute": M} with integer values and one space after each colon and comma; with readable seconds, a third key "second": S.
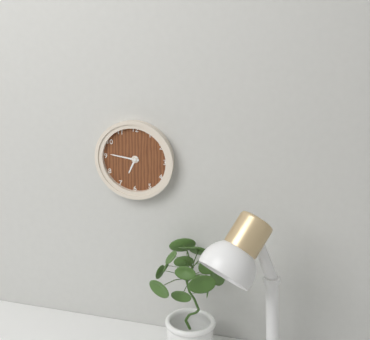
{"hour": 6, "minute": 46}
